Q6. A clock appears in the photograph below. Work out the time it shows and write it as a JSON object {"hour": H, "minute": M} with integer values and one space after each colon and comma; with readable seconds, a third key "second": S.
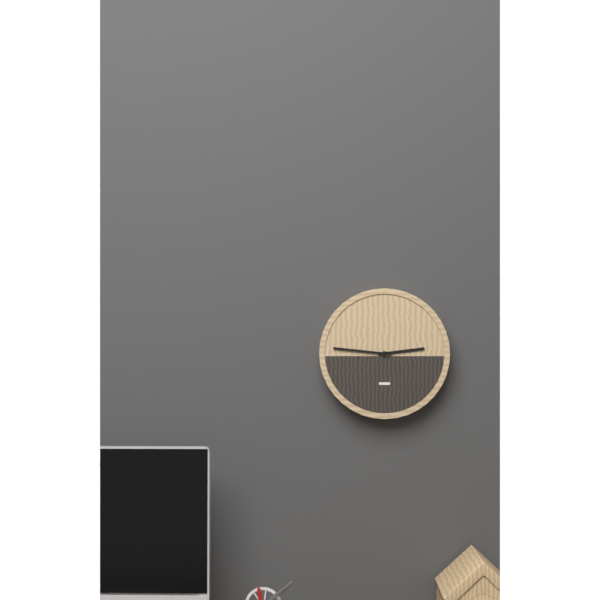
{"hour": 2, "minute": 46}
